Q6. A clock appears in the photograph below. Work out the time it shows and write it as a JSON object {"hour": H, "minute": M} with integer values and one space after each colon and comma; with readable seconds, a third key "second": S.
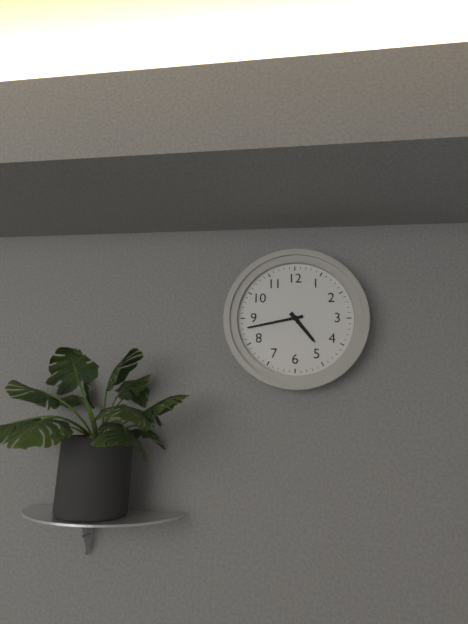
{"hour": 4, "minute": 43}
